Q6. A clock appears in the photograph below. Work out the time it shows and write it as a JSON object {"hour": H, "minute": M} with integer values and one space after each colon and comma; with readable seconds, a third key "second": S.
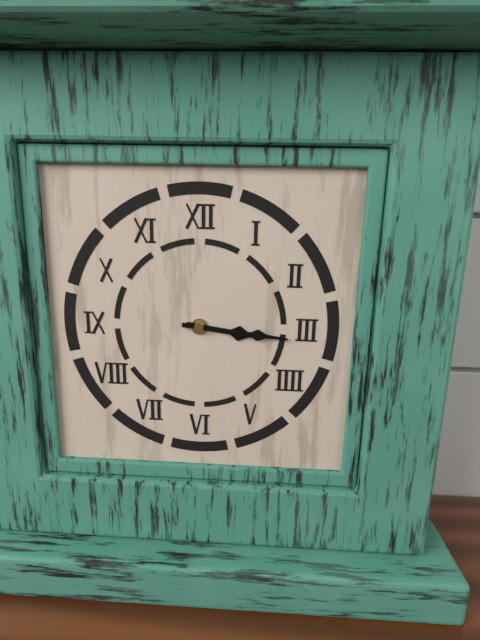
{"hour": 3, "minute": 16}
